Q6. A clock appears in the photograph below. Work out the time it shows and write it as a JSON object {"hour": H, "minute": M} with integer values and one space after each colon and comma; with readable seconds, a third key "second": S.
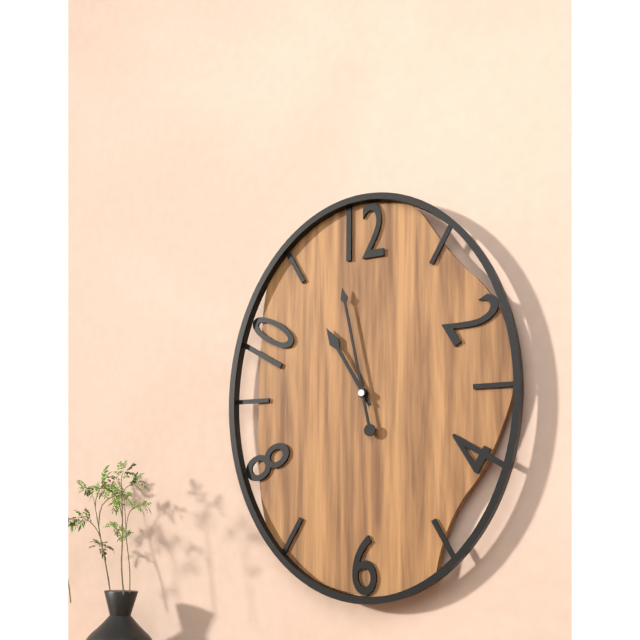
{"hour": 10, "minute": 58}
